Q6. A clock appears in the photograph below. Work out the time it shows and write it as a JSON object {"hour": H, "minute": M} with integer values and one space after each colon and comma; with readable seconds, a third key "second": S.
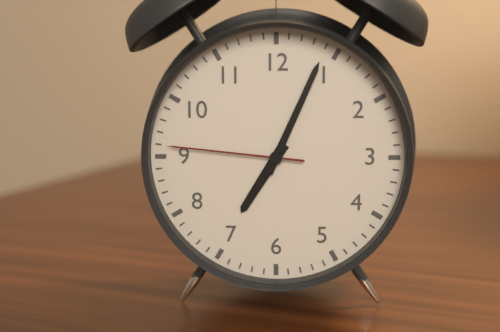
{"hour": 7, "minute": 4, "second": 46}
